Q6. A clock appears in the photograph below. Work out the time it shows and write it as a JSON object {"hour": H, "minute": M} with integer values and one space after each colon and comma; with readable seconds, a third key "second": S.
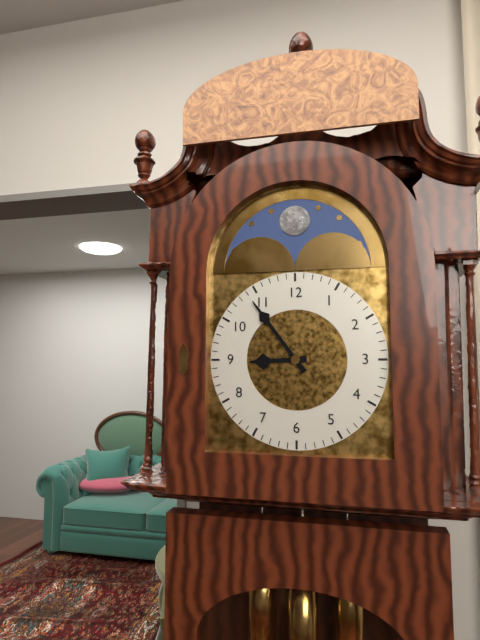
{"hour": 8, "minute": 54}
